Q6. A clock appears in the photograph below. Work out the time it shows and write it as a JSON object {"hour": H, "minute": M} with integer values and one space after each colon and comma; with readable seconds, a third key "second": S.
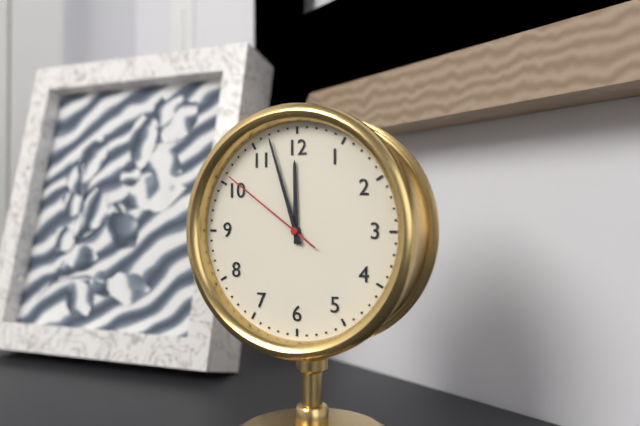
{"hour": 11, "minute": 57, "second": 51}
